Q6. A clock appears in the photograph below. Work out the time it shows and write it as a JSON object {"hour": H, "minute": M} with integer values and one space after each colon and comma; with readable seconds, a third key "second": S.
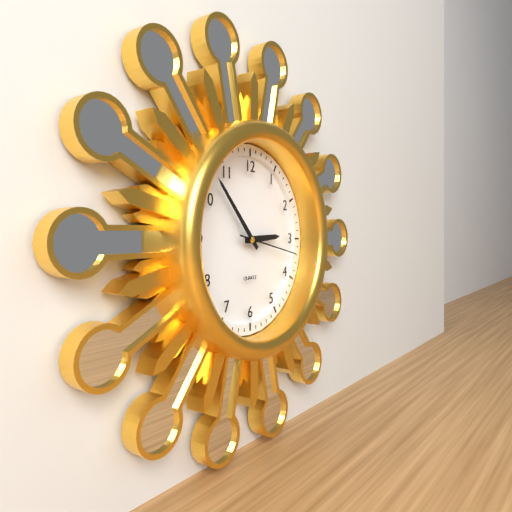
{"hour": 2, "minute": 53, "second": 17}
